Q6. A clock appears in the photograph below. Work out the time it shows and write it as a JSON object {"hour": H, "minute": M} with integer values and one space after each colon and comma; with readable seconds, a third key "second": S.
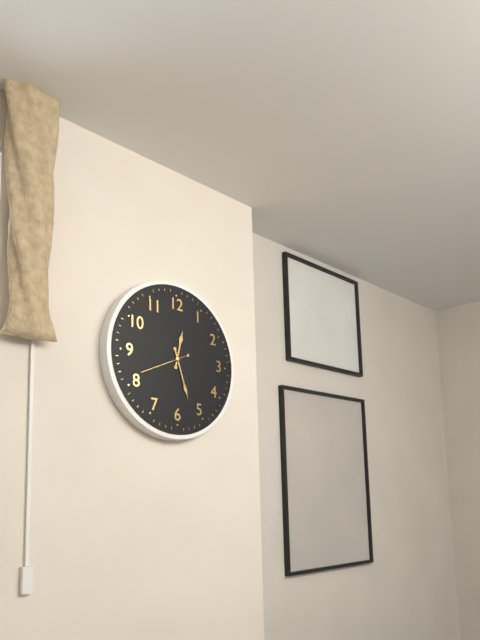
{"hour": 12, "minute": 27}
